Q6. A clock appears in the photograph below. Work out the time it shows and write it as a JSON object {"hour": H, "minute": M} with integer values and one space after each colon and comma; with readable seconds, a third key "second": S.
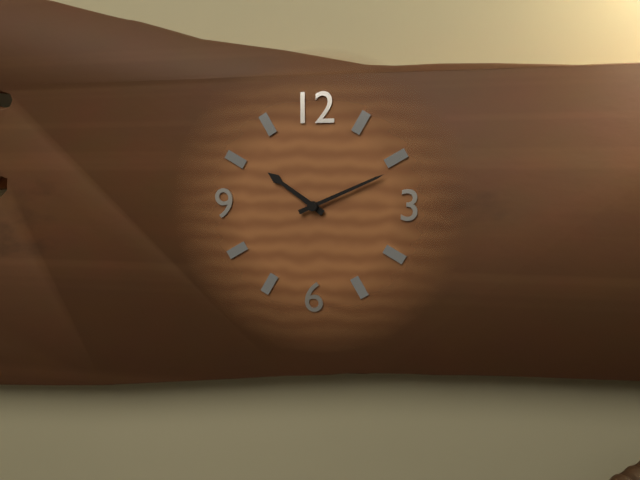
{"hour": 10, "minute": 11}
